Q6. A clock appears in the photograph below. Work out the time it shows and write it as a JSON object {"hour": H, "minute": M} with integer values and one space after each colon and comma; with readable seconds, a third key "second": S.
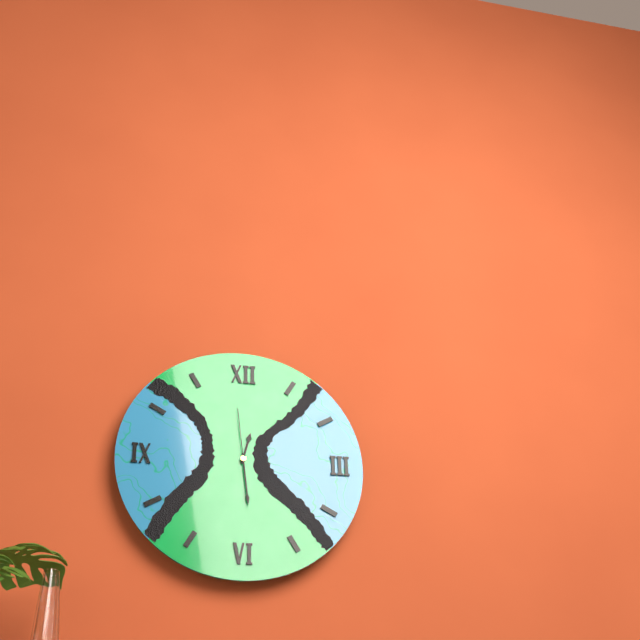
{"hour": 12, "minute": 29, "second": 59}
